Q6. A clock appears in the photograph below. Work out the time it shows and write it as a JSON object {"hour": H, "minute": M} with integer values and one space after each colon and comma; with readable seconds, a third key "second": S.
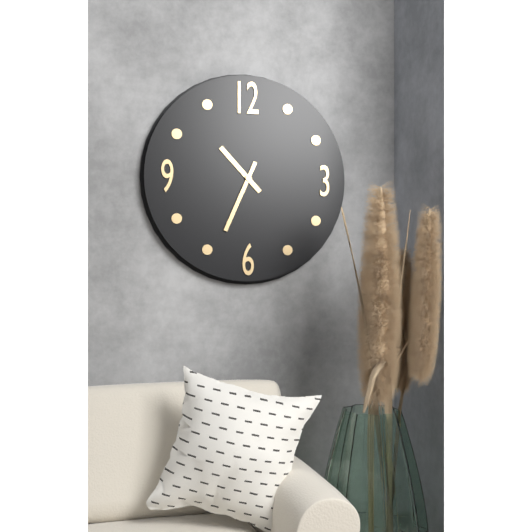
{"hour": 10, "minute": 34}
